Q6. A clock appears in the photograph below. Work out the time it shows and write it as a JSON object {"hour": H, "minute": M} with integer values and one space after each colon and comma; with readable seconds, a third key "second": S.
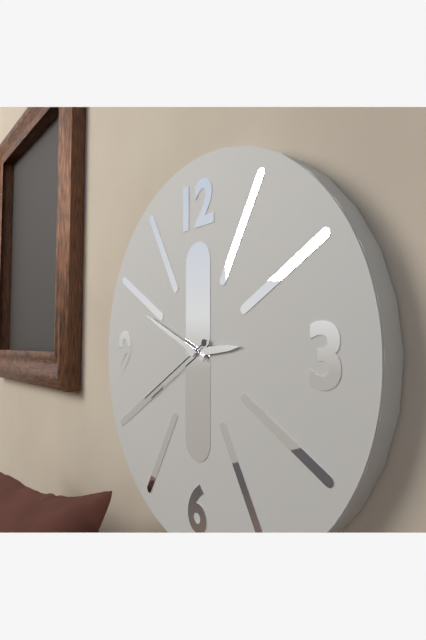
{"hour": 2, "minute": 49, "second": 40}
